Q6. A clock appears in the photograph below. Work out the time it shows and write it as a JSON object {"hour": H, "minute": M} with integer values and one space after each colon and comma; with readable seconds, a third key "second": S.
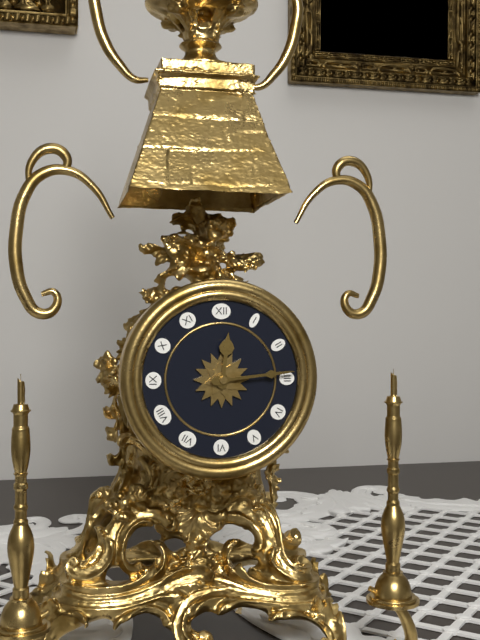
{"hour": 12, "minute": 14}
